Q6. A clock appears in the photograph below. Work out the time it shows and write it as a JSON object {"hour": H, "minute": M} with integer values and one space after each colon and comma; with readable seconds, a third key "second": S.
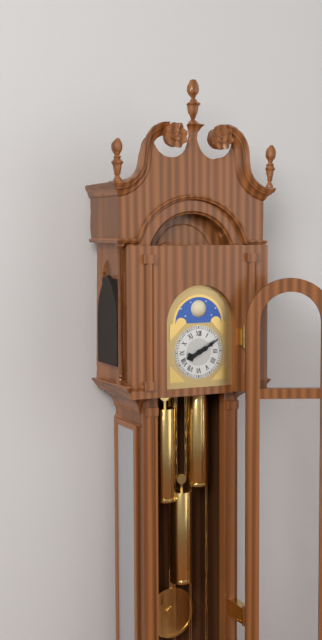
{"hour": 8, "minute": 10}
